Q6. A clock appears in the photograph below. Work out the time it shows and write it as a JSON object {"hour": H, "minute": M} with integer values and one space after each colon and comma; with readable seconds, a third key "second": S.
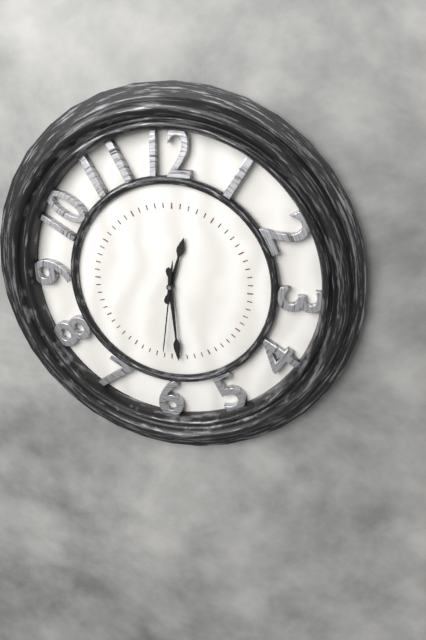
{"hour": 12, "minute": 29, "second": 31}
